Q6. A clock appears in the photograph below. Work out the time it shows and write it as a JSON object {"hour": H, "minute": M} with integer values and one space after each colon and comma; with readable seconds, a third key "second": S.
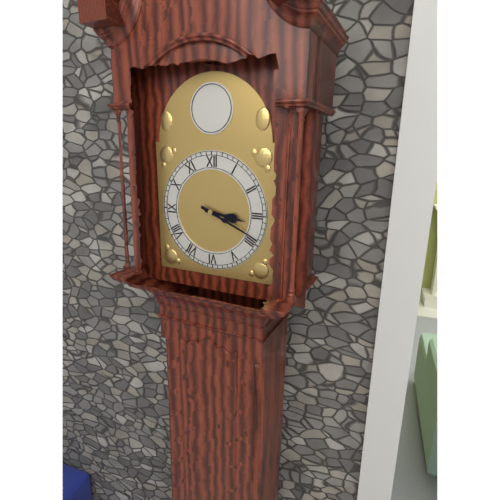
{"hour": 3, "minute": 19}
